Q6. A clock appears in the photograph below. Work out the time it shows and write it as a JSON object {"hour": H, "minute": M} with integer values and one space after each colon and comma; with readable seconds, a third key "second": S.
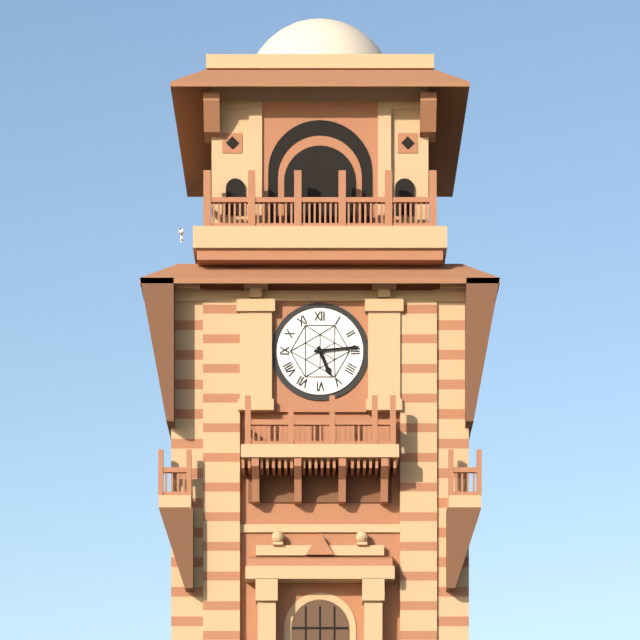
{"hour": 5, "minute": 14}
